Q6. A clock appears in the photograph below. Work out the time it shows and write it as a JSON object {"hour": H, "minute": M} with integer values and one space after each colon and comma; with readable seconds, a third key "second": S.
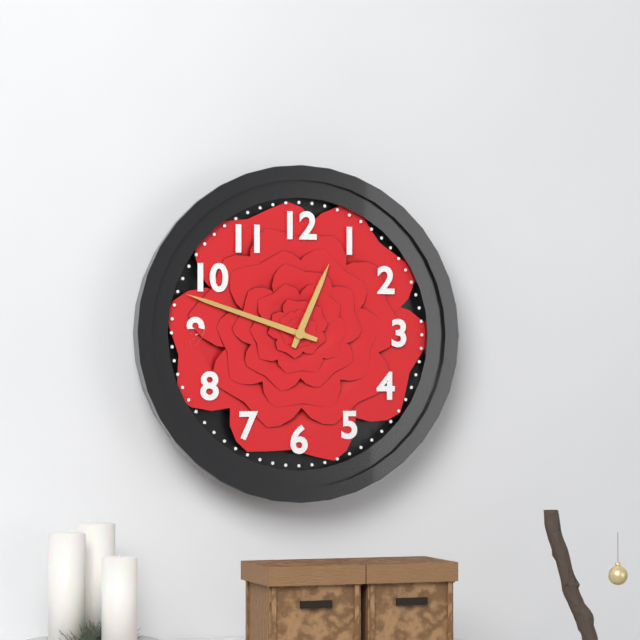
{"hour": 12, "minute": 48}
